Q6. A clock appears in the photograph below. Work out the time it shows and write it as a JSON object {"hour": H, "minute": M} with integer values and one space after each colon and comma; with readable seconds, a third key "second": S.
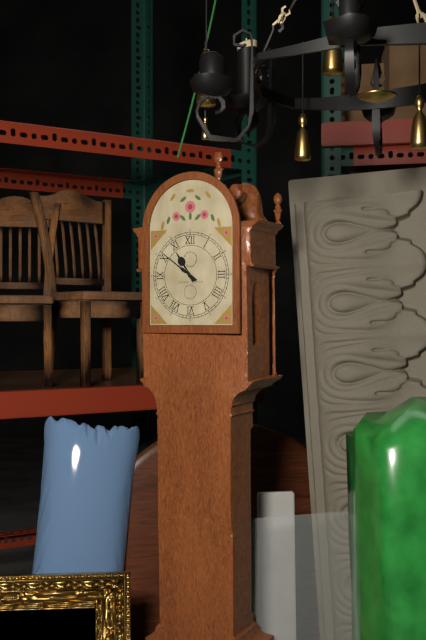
{"hour": 10, "minute": 51}
